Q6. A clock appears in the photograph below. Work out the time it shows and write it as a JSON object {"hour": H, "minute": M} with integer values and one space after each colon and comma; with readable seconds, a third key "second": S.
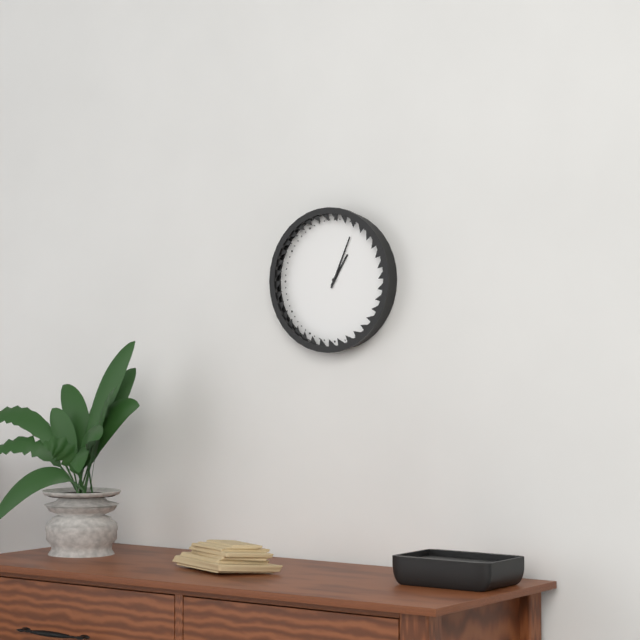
{"hour": 1, "minute": 4}
